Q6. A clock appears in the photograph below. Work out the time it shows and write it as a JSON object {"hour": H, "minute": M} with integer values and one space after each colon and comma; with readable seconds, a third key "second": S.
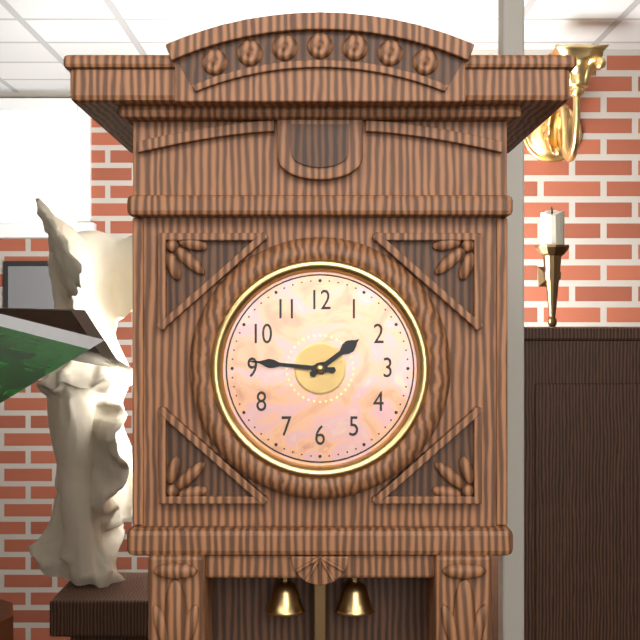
{"hour": 1, "minute": 46}
